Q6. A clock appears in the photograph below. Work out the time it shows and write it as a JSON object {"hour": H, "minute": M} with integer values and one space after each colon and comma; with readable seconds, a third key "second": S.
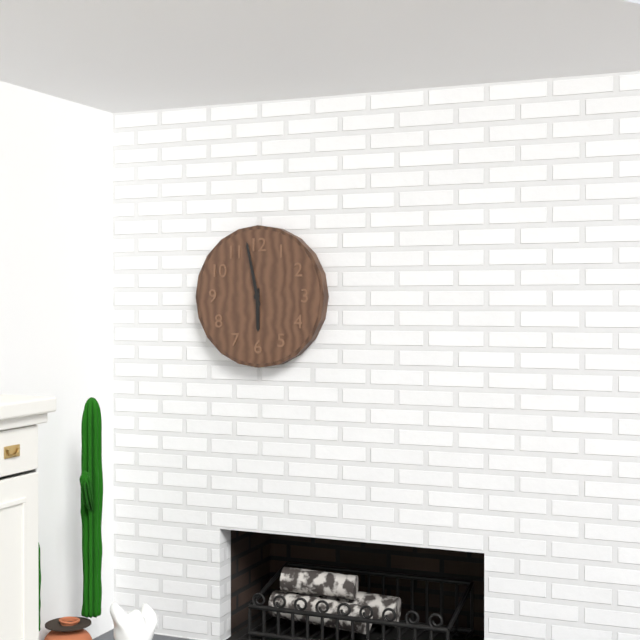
{"hour": 5, "minute": 58}
